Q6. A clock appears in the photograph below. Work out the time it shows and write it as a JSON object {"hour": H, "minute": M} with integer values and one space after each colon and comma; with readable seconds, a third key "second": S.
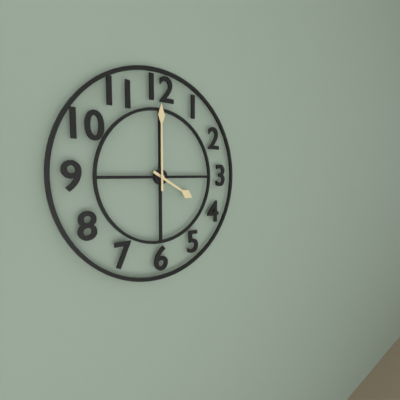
{"hour": 4, "minute": 0}
